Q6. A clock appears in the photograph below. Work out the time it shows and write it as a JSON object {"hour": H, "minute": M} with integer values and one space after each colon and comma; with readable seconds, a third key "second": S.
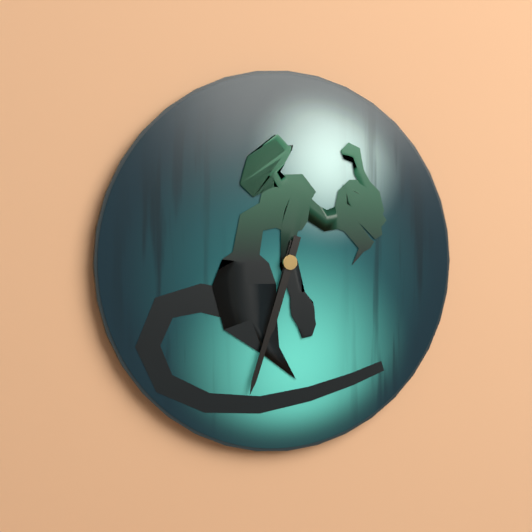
{"hour": 6, "minute": 33}
